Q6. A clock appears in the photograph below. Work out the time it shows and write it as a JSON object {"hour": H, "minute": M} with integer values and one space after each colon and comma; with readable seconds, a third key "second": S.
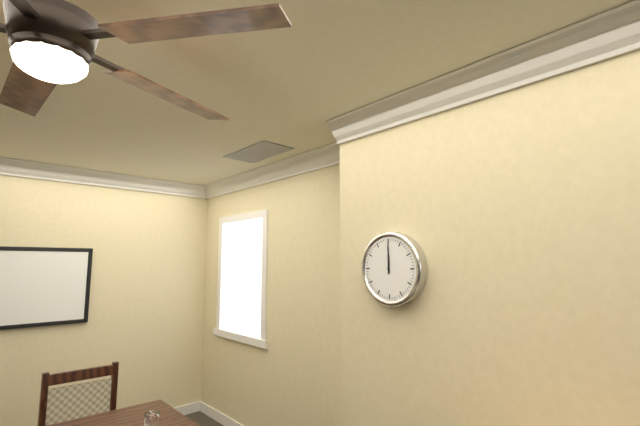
{"hour": 12, "minute": 0}
